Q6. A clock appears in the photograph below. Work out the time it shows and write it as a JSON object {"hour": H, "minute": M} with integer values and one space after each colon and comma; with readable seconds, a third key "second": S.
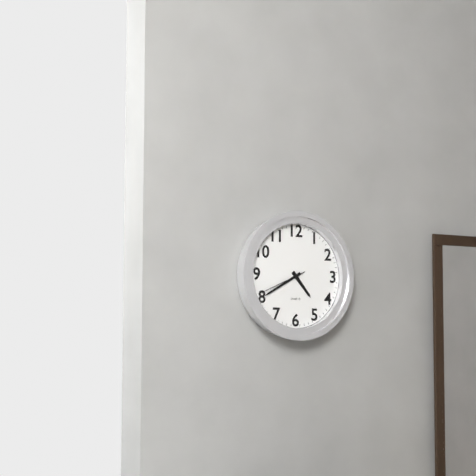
{"hour": 4, "minute": 40, "second": 41}
